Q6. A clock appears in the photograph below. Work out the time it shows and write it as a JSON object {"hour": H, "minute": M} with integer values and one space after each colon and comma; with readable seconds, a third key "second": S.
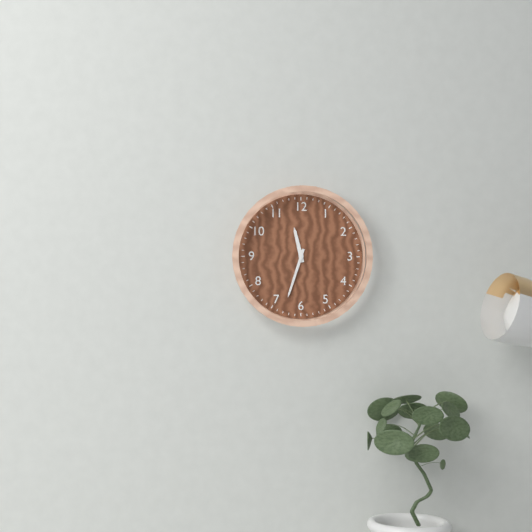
{"hour": 11, "minute": 33}
